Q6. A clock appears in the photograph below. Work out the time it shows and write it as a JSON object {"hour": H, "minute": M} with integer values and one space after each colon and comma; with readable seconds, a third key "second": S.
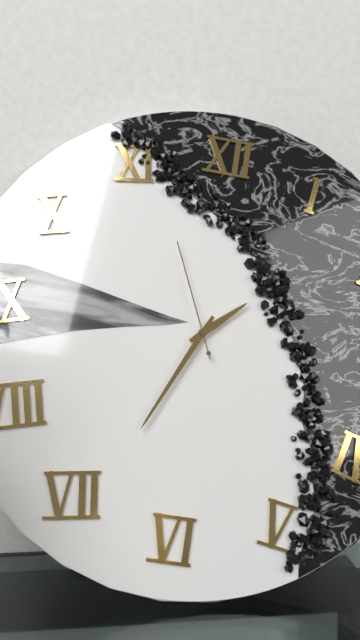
{"hour": 1, "minute": 34, "second": 56}
